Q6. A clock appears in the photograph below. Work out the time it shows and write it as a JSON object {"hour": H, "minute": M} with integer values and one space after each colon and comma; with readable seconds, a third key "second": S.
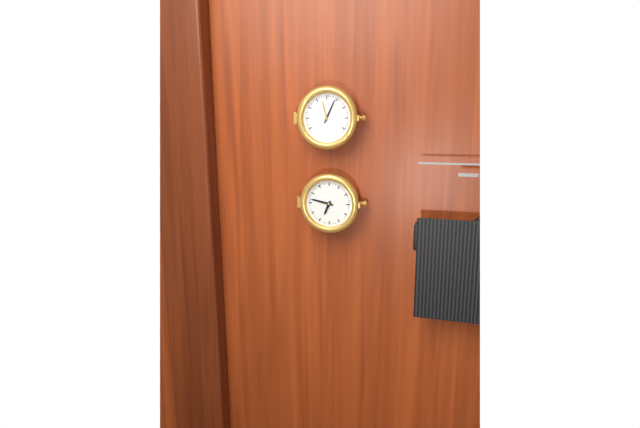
{"hour": 6, "minute": 47}
